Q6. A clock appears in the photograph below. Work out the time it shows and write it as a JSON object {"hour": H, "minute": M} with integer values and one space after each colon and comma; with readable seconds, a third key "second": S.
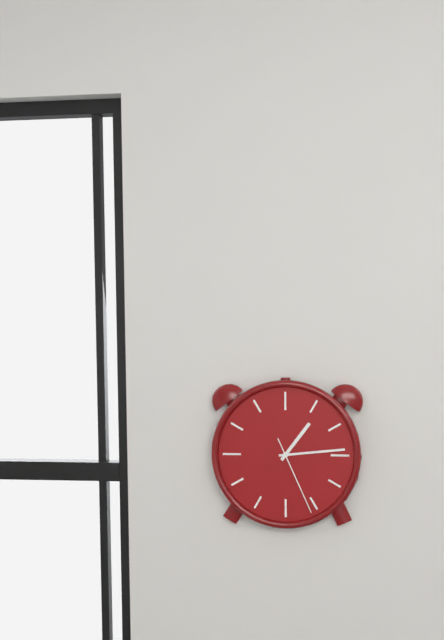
{"hour": 1, "minute": 14, "second": 26}
